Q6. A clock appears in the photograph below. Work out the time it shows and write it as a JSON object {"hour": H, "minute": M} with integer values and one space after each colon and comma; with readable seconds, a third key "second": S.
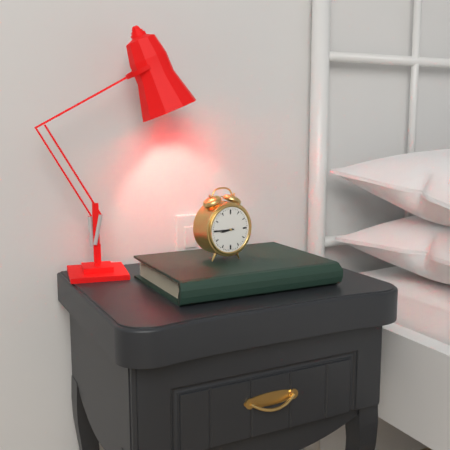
{"hour": 8, "minute": 45}
